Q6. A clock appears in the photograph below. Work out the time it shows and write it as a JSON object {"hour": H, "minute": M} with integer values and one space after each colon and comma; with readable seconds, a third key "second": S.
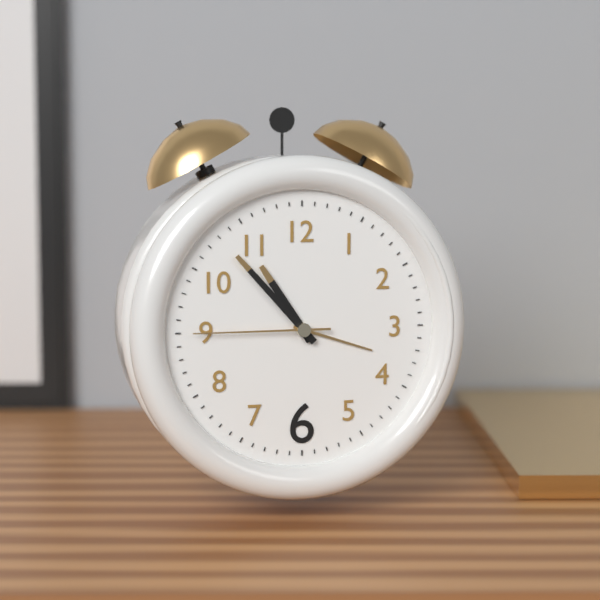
{"hour": 10, "minute": 53, "second": 45}
